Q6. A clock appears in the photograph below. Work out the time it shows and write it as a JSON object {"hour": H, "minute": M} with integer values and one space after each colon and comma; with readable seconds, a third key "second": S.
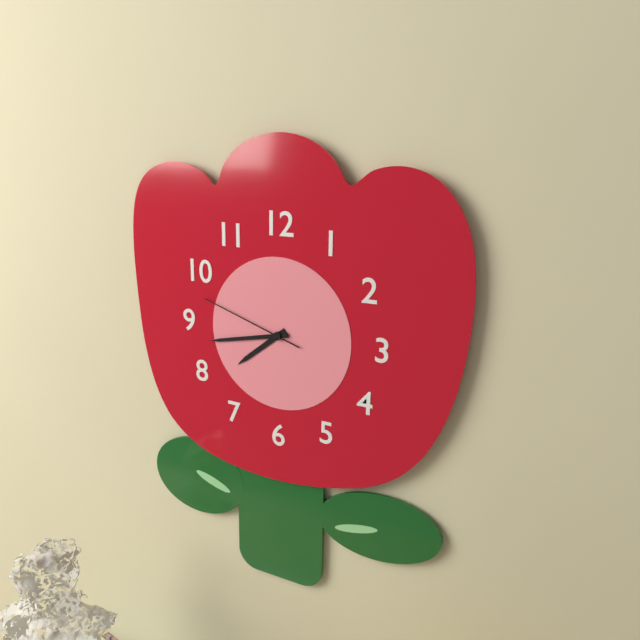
{"hour": 7, "minute": 43, "second": 48}
